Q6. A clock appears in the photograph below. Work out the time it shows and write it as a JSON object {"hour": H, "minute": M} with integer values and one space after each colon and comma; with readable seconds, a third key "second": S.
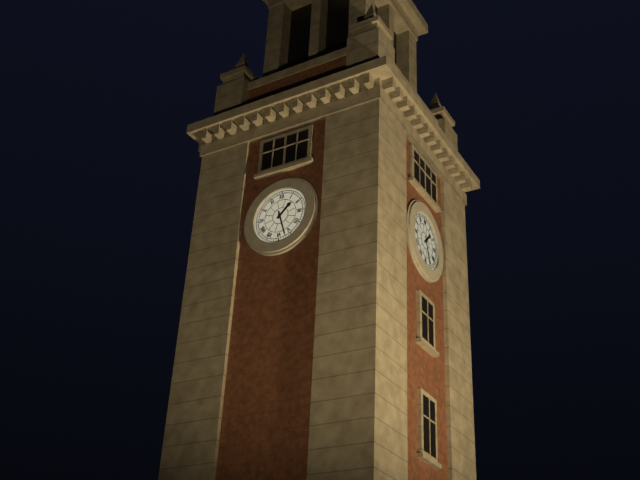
{"hour": 1, "minute": 27}
